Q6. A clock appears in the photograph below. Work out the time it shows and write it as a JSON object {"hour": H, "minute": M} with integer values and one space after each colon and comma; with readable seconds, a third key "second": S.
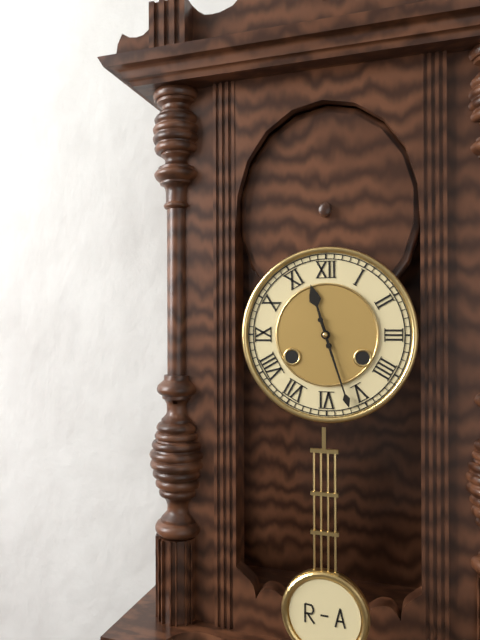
{"hour": 11, "minute": 27}
